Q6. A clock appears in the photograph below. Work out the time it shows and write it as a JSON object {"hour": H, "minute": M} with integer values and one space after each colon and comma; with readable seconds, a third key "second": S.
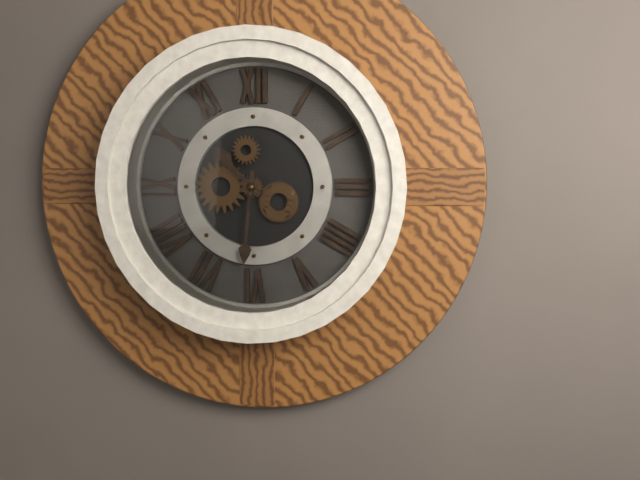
{"hour": 10, "minute": 31}
